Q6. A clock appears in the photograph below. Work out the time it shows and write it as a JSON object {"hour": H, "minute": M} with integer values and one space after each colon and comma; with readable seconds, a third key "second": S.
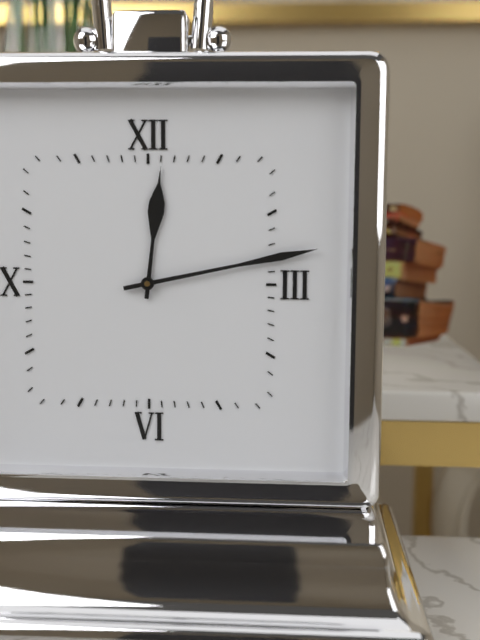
{"hour": 12, "minute": 13}
